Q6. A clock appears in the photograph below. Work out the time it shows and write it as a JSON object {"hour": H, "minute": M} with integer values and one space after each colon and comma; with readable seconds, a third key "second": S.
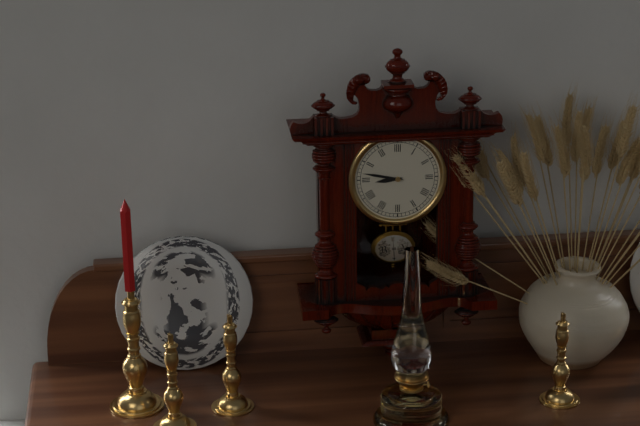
{"hour": 8, "minute": 47}
